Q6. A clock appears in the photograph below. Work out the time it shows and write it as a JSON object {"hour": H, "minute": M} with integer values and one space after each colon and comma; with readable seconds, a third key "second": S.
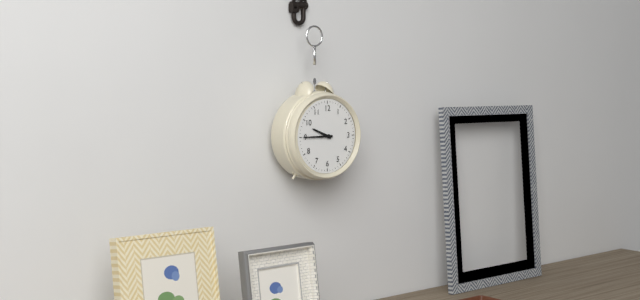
{"hour": 9, "minute": 45}
